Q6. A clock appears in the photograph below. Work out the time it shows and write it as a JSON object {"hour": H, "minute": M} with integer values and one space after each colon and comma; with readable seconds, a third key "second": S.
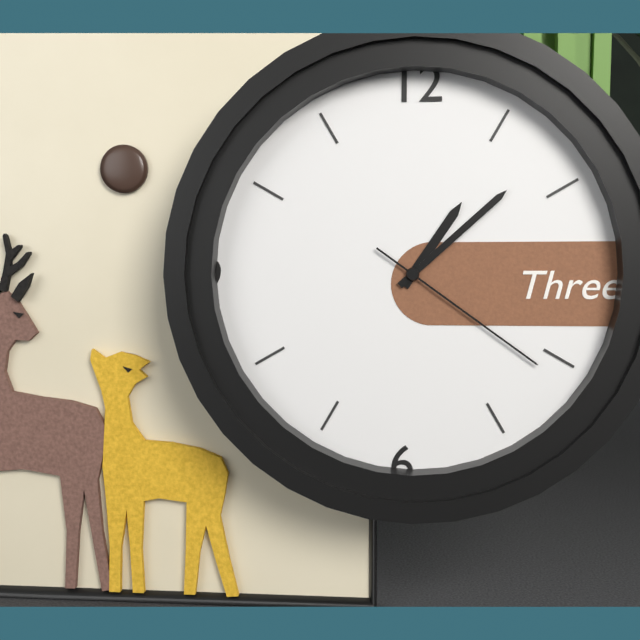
{"hour": 1, "minute": 8, "second": 21}
